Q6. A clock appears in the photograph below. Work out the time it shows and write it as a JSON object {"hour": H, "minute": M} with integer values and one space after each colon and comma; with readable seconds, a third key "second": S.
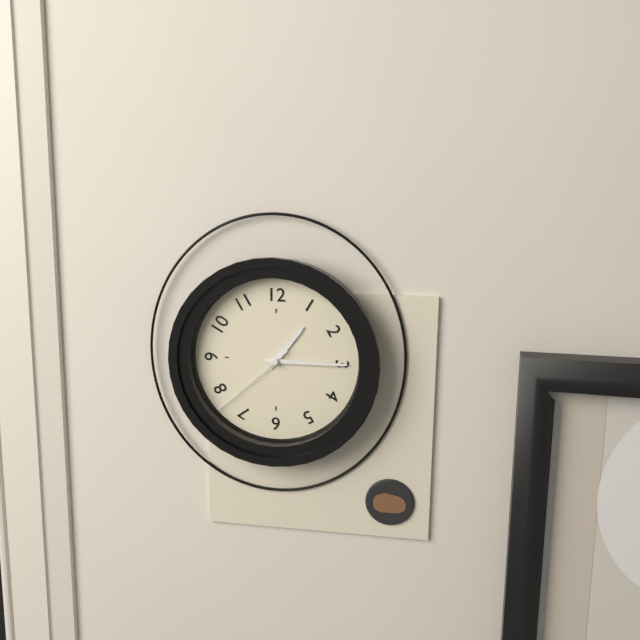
{"hour": 1, "minute": 15, "second": 38}
